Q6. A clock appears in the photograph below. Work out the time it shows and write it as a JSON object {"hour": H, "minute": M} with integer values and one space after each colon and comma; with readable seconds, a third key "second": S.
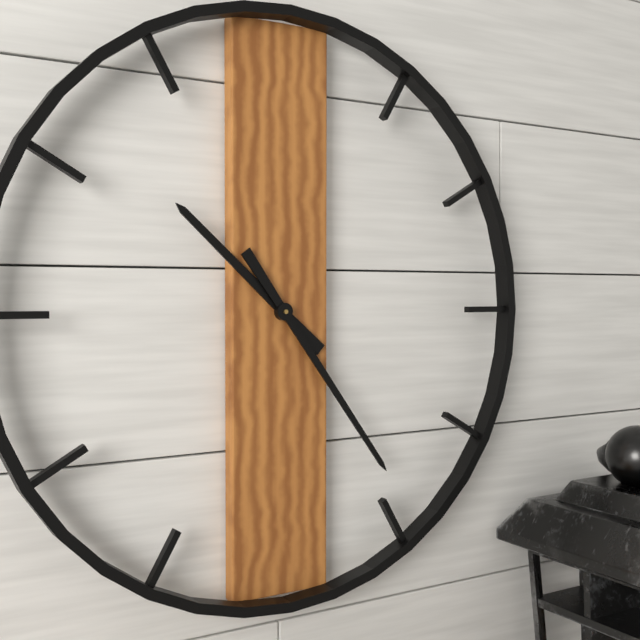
{"hour": 10, "minute": 24}
